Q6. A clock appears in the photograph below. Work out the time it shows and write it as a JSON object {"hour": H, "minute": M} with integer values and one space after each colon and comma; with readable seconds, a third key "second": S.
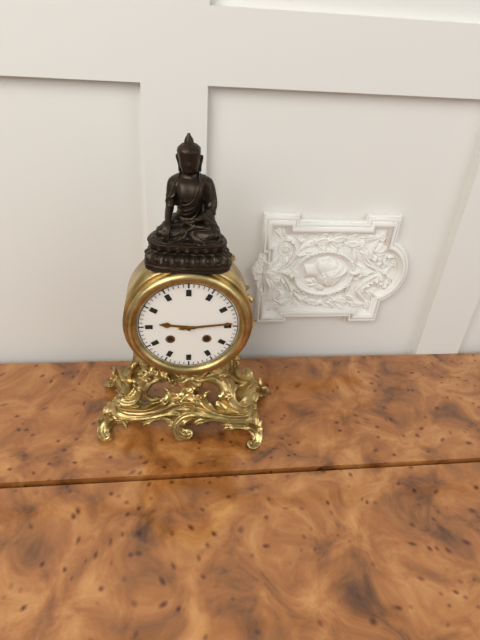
{"hour": 9, "minute": 14}
